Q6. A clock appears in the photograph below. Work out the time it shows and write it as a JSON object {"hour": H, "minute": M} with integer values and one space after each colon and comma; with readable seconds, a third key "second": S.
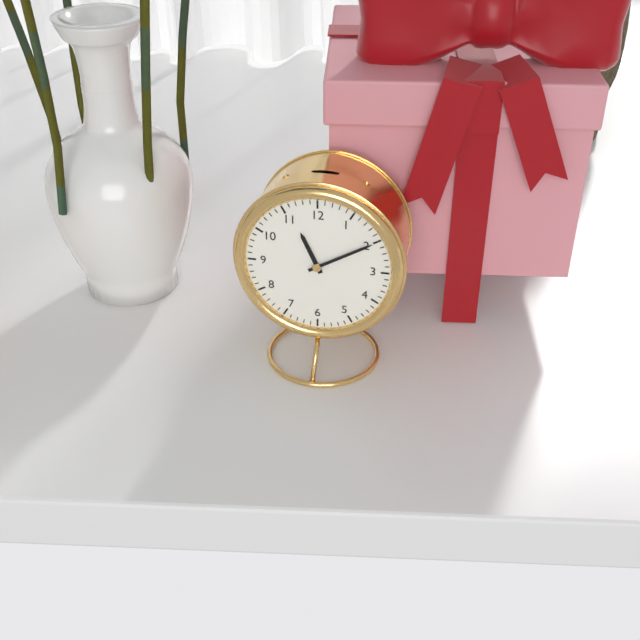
{"hour": 11, "minute": 10}
